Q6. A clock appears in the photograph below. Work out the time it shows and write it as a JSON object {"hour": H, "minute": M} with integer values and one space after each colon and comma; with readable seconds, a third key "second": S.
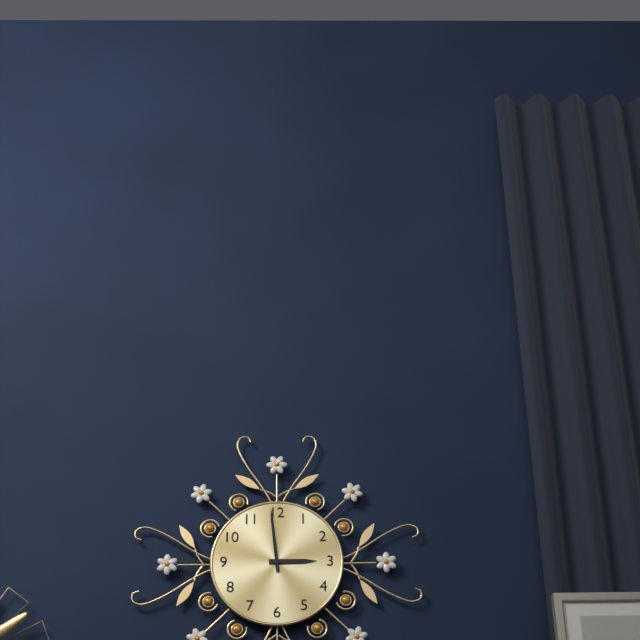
{"hour": 2, "minute": 59}
